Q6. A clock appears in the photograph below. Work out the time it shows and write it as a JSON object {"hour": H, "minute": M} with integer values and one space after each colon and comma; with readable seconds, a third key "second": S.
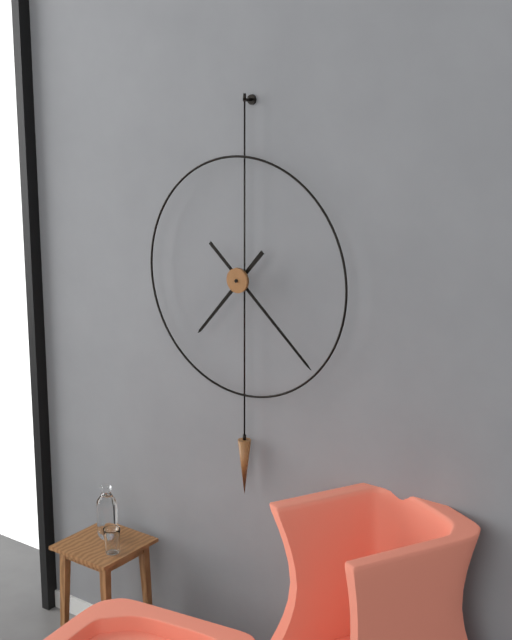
{"hour": 7, "minute": 22}
